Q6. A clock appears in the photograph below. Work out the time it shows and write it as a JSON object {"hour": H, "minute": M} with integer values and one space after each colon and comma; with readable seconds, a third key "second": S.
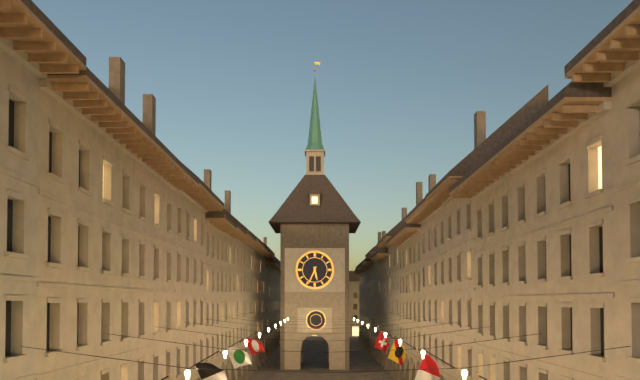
{"hour": 5, "minute": 34}
